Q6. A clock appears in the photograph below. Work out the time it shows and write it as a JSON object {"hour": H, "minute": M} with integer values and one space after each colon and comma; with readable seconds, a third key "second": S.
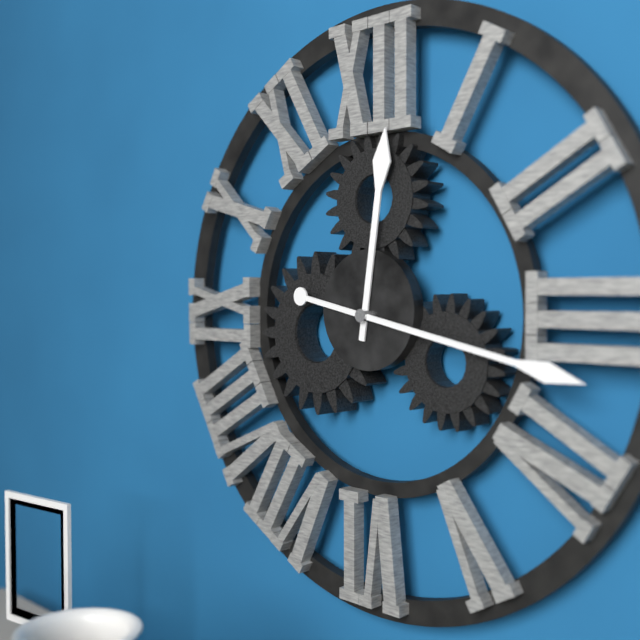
{"hour": 12, "minute": 17}
